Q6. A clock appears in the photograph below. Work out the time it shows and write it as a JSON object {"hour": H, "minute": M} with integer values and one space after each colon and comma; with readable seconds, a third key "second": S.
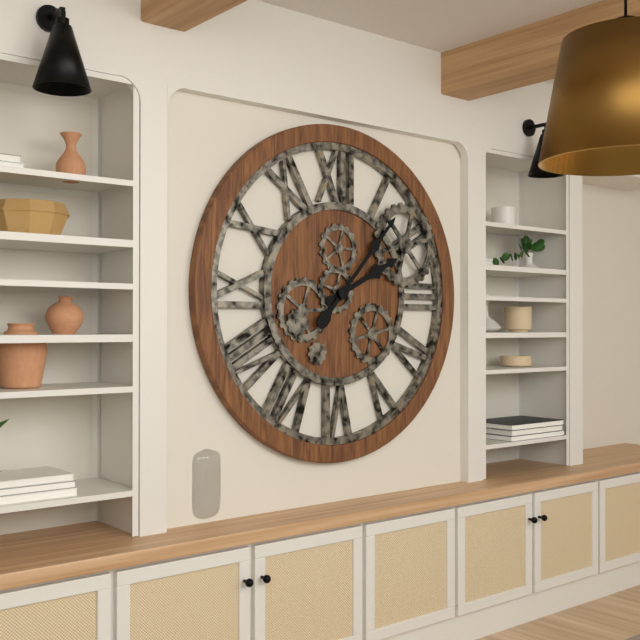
{"hour": 2, "minute": 7}
